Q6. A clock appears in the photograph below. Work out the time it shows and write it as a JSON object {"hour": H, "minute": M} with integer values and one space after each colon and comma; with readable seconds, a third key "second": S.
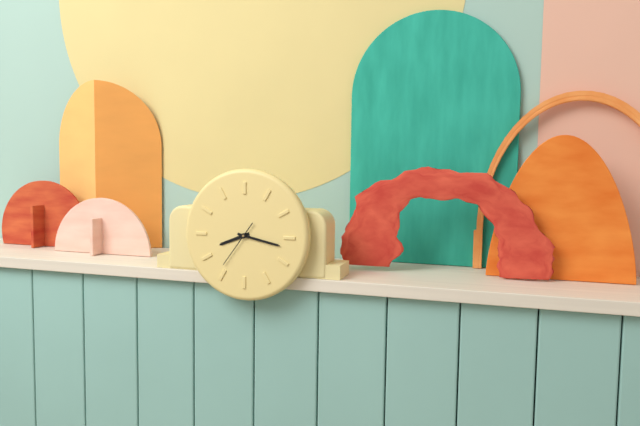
{"hour": 8, "minute": 17}
